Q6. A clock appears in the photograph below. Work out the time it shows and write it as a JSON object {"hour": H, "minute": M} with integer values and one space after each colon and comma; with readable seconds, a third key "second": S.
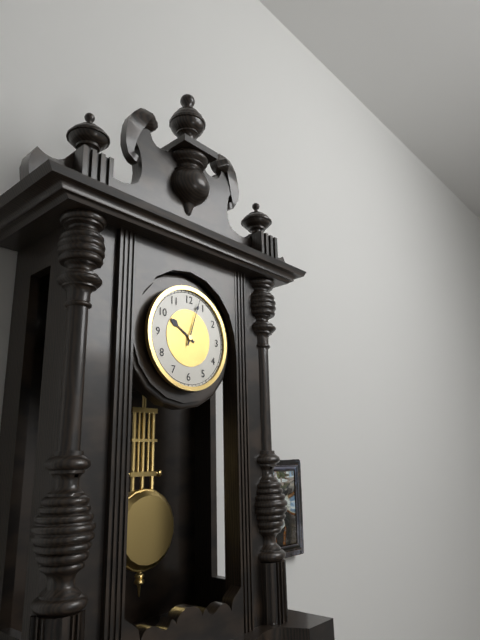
{"hour": 10, "minute": 3}
